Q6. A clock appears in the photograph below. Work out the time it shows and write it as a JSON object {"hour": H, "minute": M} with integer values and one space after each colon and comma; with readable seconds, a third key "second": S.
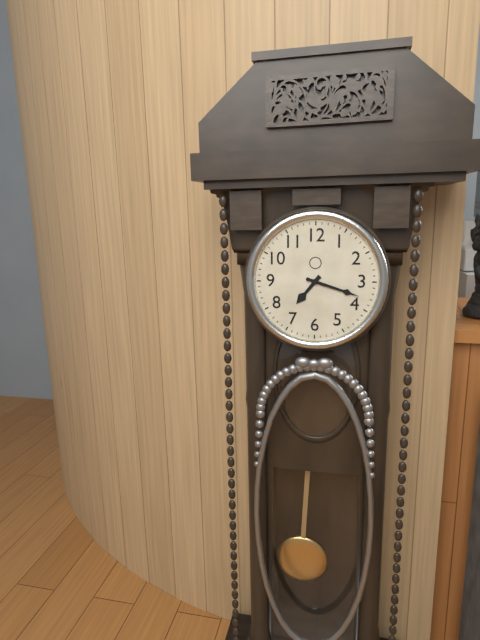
{"hour": 7, "minute": 18}
